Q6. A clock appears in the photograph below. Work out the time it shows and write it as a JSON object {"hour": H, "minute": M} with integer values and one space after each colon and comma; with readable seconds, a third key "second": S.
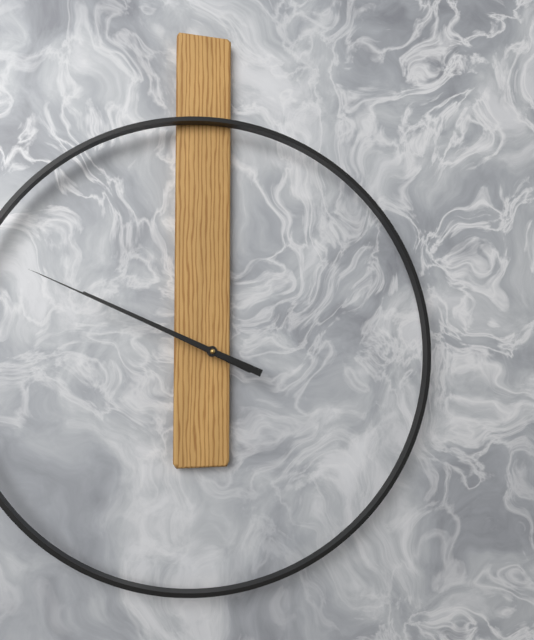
{"hour": 9, "minute": 49}
